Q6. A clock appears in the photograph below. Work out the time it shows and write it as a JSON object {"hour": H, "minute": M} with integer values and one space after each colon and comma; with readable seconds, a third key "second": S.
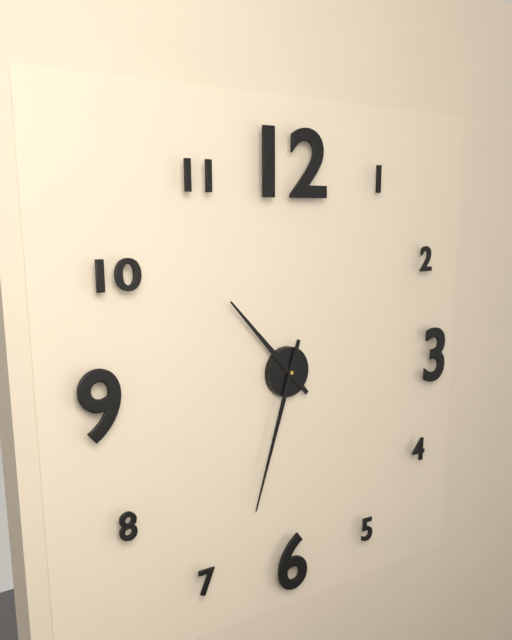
{"hour": 10, "minute": 33}
